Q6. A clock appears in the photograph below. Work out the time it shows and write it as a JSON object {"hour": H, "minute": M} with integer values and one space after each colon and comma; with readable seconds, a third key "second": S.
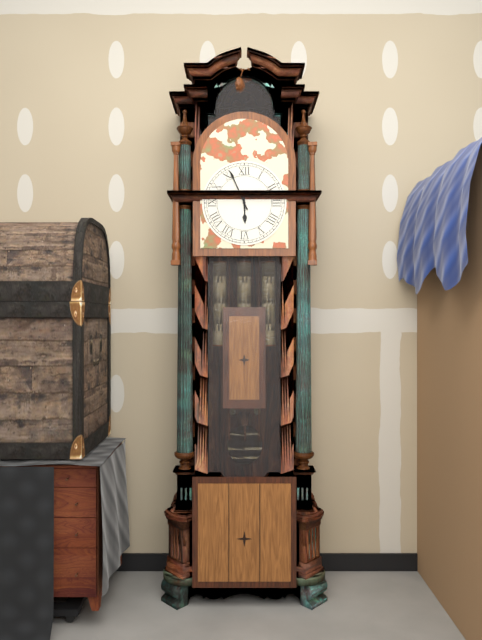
{"hour": 5, "minute": 56}
